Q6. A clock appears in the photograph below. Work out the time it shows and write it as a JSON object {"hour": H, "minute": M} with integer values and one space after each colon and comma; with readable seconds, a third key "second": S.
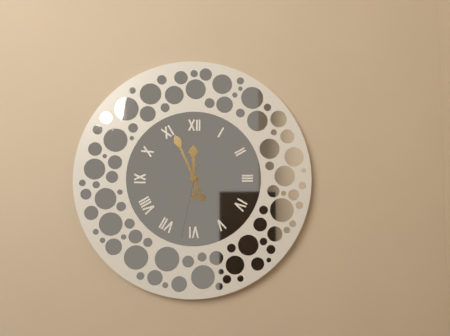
{"hour": 11, "minute": 56, "second": 32}
